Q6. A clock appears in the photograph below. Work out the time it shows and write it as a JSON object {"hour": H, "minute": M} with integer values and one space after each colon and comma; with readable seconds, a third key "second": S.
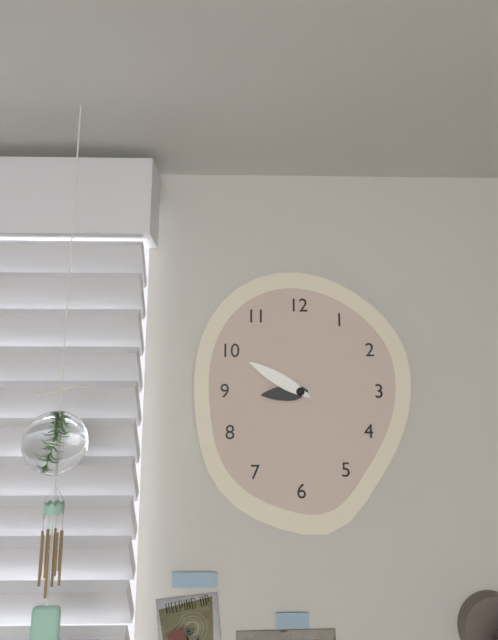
{"hour": 8, "minute": 50}
